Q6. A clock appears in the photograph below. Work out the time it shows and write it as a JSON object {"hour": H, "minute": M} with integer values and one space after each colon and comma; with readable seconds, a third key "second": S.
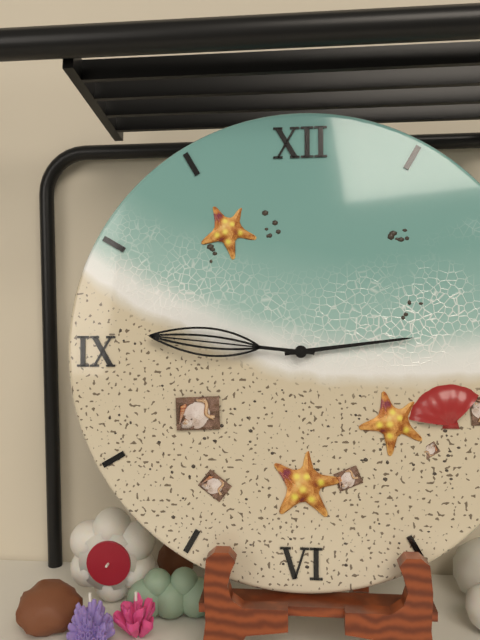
{"hour": 2, "minute": 46}
